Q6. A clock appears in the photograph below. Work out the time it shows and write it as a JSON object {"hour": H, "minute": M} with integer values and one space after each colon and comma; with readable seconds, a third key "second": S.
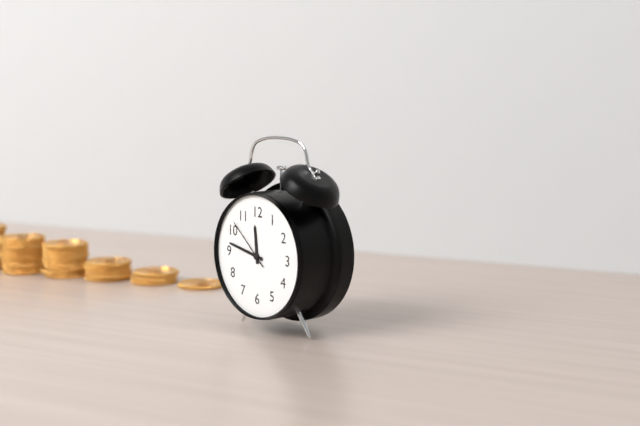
{"hour": 11, "minute": 47, "second": 52}
